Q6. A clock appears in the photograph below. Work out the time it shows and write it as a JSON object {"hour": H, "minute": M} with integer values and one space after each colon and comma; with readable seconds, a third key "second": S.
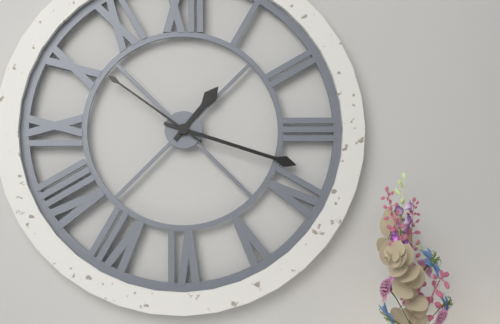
{"hour": 1, "minute": 18, "second": 51}
